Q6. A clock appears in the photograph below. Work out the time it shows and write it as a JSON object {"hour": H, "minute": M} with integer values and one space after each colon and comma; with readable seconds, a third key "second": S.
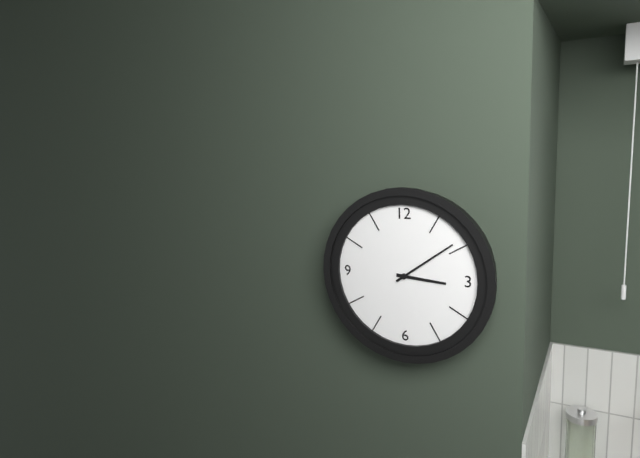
{"hour": 3, "minute": 9}
